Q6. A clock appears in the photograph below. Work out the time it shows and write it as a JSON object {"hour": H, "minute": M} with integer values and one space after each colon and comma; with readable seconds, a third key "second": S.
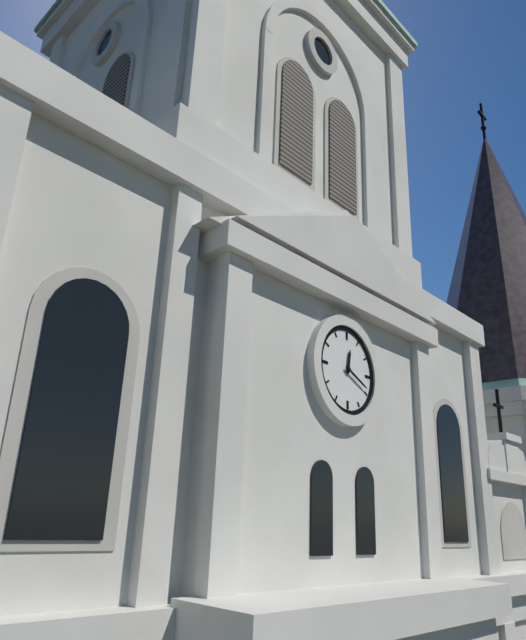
{"hour": 12, "minute": 19}
